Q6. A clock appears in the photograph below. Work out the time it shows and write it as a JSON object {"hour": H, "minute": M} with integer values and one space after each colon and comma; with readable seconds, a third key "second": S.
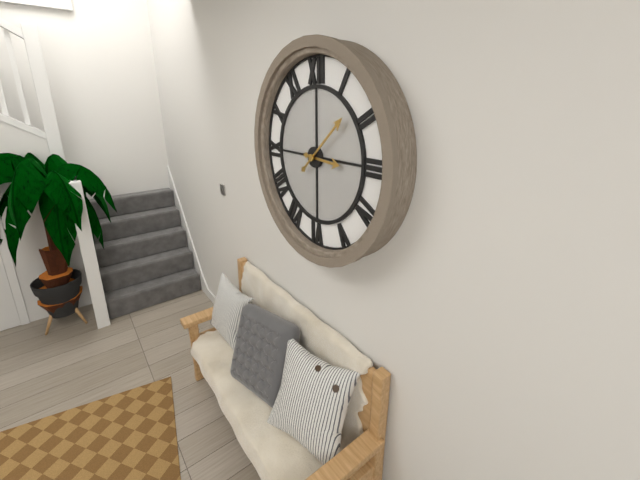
{"hour": 3, "minute": 8}
